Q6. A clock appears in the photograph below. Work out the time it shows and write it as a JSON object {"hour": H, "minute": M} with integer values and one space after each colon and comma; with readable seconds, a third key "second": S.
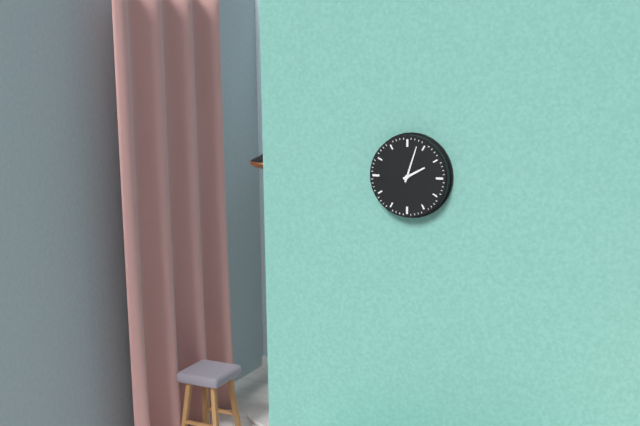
{"hour": 2, "minute": 3}
